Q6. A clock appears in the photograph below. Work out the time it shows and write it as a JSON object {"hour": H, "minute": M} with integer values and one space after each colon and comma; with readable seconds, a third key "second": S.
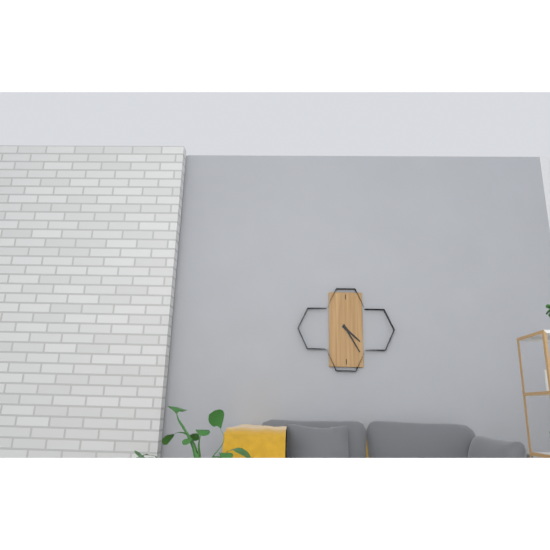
{"hour": 4, "minute": 25}
